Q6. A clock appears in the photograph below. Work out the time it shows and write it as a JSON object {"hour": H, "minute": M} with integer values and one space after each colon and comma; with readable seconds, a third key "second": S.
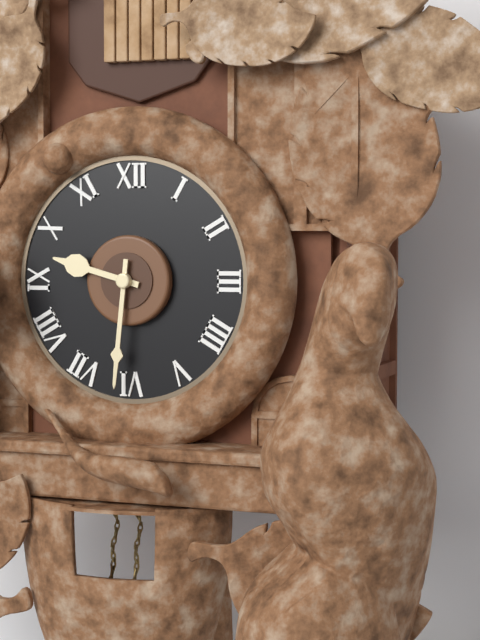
{"hour": 9, "minute": 31}
